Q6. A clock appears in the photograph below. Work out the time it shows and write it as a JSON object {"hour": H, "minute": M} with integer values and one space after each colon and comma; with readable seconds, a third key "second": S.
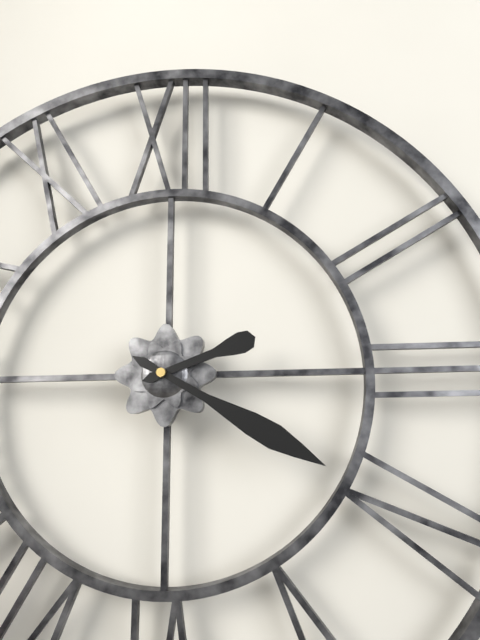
{"hour": 2, "minute": 20}
